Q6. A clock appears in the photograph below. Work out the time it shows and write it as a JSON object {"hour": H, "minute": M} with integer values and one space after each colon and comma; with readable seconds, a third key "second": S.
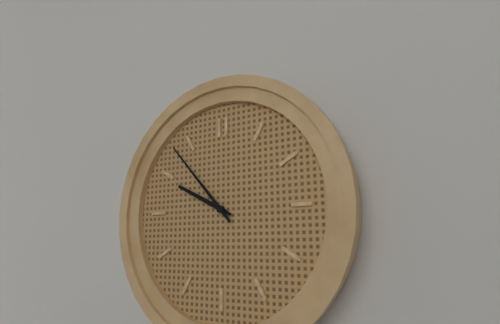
{"hour": 9, "minute": 53}
